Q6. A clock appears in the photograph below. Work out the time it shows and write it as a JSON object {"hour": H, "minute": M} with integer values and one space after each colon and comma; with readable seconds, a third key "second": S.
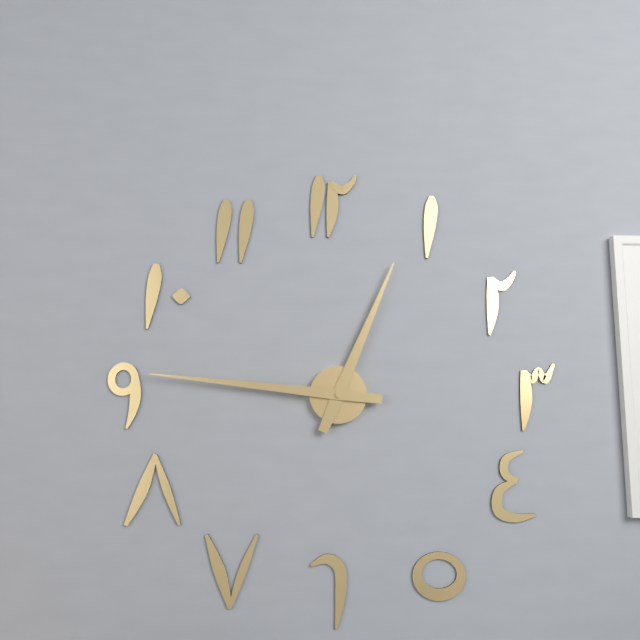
{"hour": 12, "minute": 46}
